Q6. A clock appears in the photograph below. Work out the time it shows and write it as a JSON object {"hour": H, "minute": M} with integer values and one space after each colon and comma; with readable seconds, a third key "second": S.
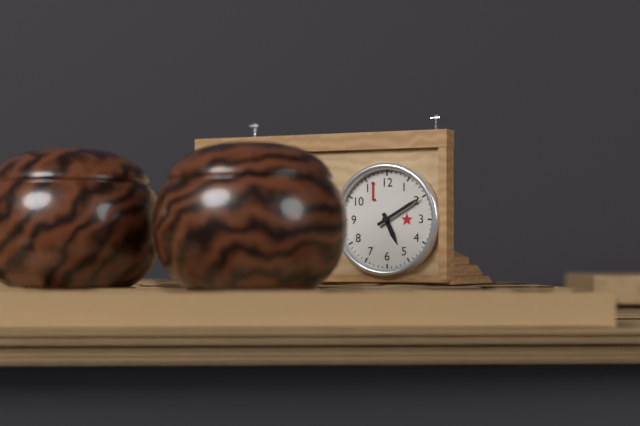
{"hour": 5, "minute": 10}
